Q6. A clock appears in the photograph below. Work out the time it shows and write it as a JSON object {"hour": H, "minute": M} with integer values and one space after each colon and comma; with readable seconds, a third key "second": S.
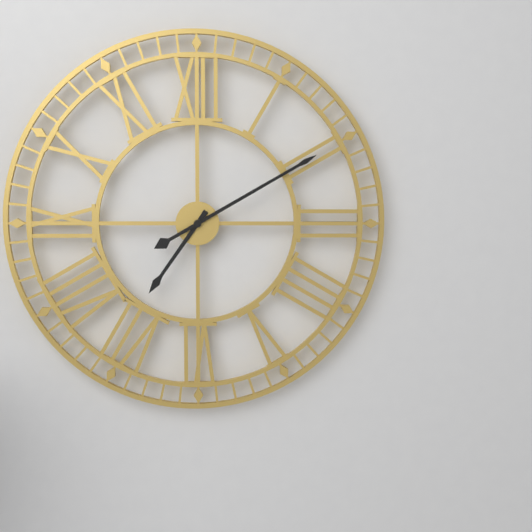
{"hour": 7, "minute": 10}
